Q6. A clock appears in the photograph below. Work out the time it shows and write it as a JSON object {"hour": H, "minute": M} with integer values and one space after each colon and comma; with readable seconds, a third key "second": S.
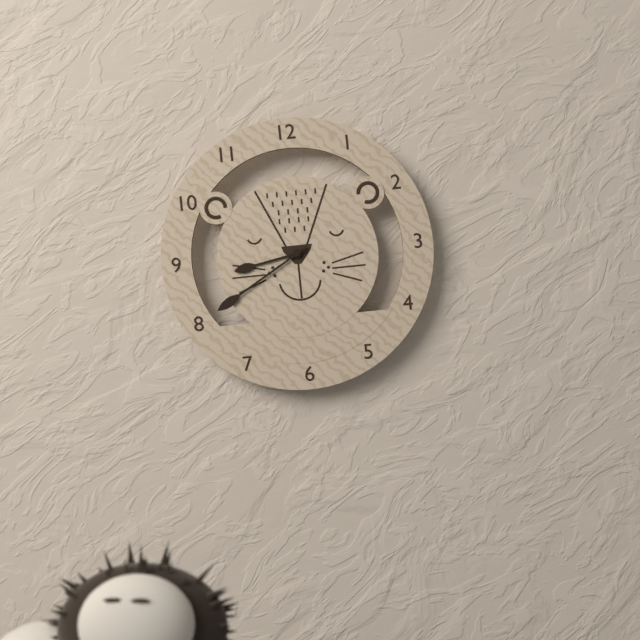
{"hour": 8, "minute": 40}
